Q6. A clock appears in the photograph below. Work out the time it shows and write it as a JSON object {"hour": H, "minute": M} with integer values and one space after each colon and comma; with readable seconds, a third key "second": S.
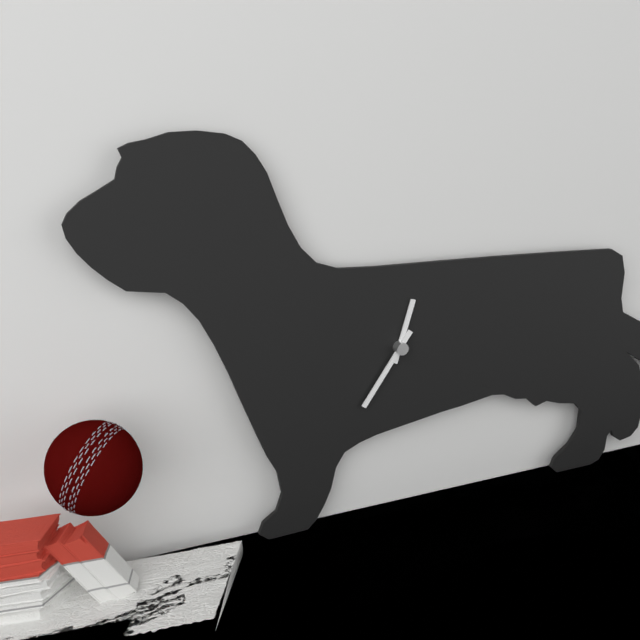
{"hour": 12, "minute": 36}
